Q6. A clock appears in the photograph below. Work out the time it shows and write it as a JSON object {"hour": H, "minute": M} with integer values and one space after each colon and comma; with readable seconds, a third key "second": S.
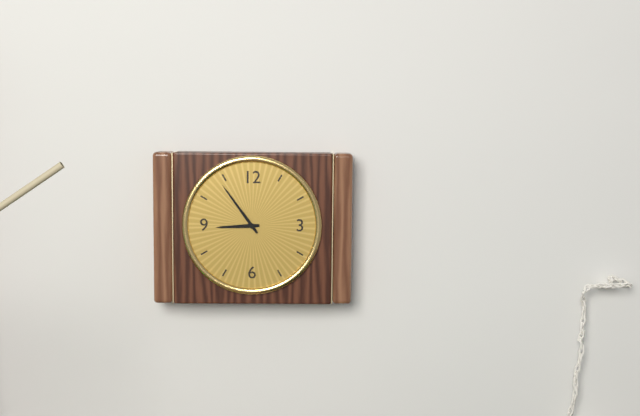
{"hour": 8, "minute": 54}
